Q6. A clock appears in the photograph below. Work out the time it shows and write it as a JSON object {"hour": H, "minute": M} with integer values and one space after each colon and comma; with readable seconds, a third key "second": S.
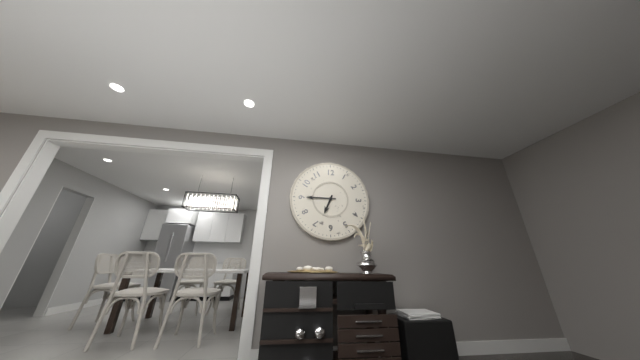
{"hour": 6, "minute": 45}
